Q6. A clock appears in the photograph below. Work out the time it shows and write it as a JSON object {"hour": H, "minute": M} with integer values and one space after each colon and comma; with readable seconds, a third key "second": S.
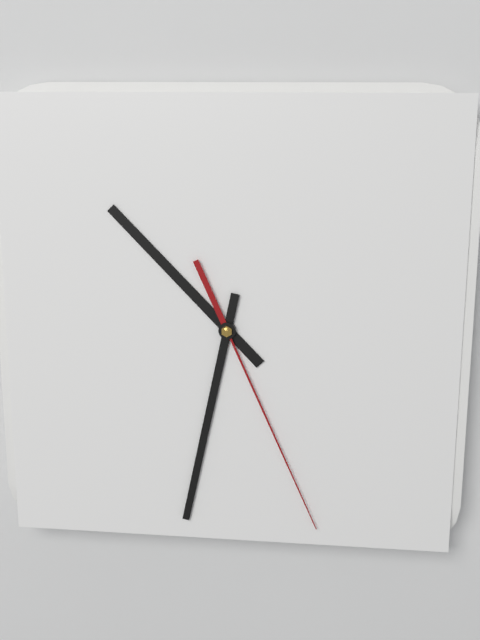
{"hour": 10, "minute": 32, "second": 26}
